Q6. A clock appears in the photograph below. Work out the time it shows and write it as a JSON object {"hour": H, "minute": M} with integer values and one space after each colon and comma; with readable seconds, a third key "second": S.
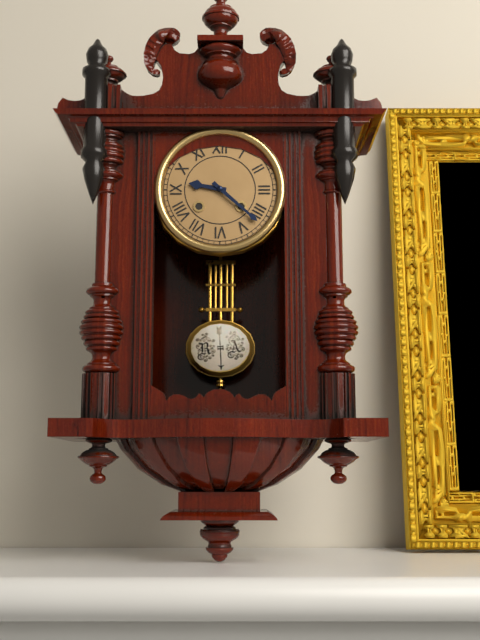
{"hour": 9, "minute": 22}
